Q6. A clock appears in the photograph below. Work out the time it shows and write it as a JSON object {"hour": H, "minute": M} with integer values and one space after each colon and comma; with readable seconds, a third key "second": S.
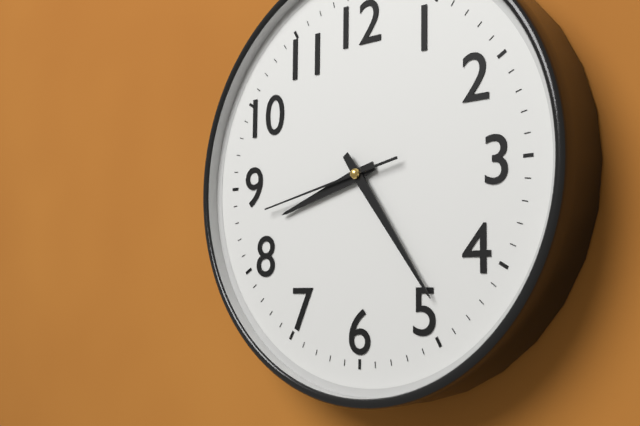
{"hour": 8, "minute": 24, "second": 43}
